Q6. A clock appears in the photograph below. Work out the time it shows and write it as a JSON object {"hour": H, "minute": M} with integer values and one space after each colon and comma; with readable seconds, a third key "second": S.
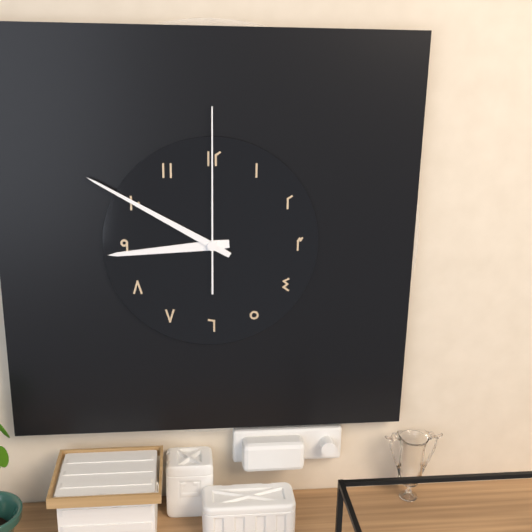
{"hour": 8, "minute": 50, "second": 0}
